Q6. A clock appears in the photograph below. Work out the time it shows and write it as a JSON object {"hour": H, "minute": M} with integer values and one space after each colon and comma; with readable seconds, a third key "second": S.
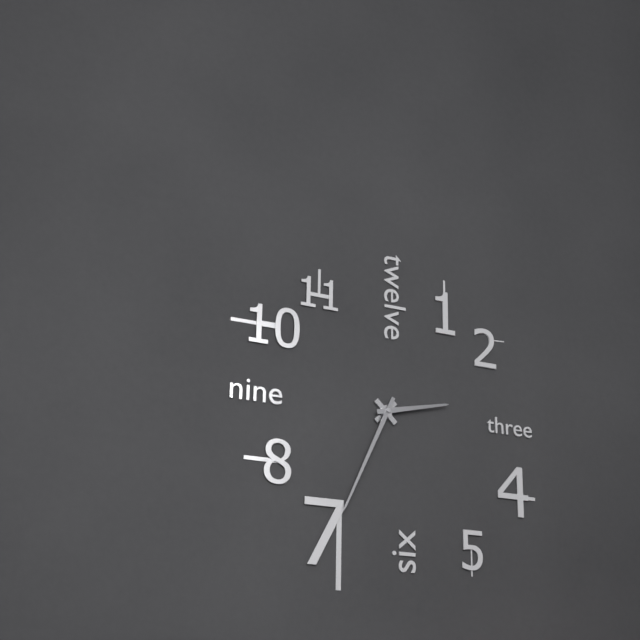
{"hour": 2, "minute": 34}
